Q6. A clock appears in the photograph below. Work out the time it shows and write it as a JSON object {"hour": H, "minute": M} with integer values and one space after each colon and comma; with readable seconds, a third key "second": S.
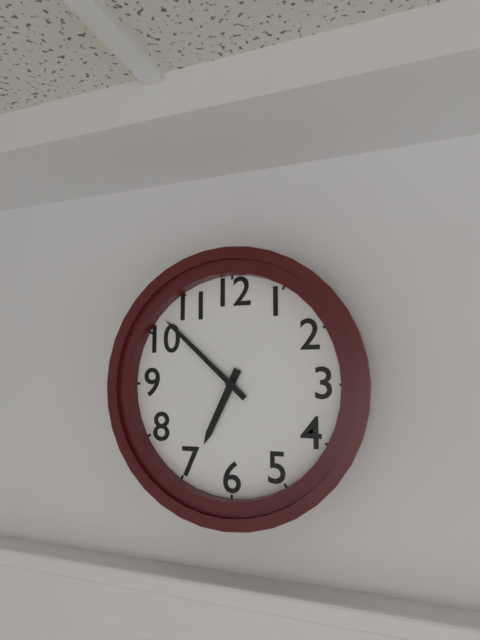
{"hour": 6, "minute": 52}
